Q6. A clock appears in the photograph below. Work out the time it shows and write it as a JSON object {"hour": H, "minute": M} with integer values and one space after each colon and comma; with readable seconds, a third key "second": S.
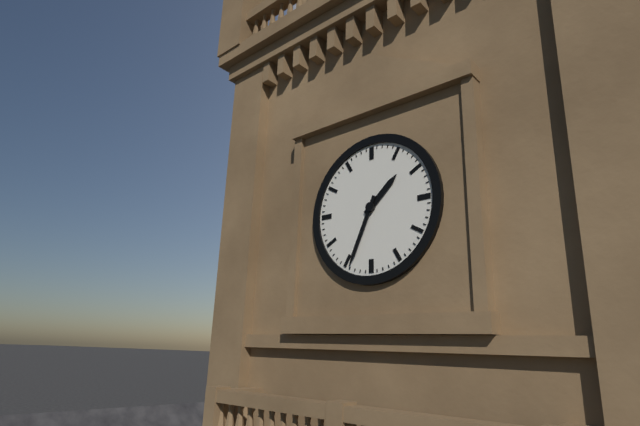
{"hour": 1, "minute": 34}
